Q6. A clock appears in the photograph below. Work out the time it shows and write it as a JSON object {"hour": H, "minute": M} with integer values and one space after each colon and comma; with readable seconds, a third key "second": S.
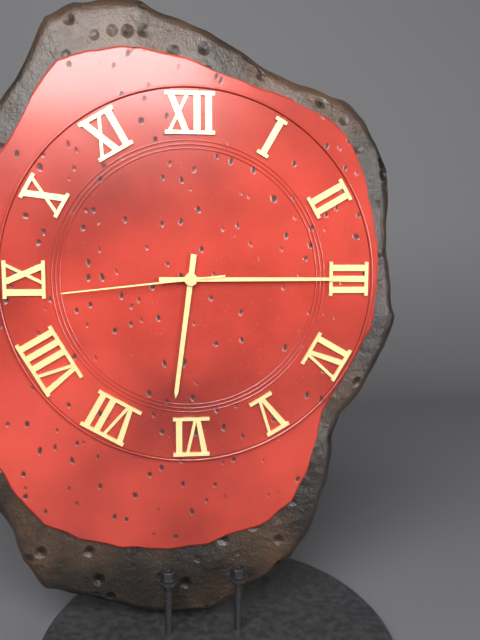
{"hour": 6, "minute": 15, "second": 44}
